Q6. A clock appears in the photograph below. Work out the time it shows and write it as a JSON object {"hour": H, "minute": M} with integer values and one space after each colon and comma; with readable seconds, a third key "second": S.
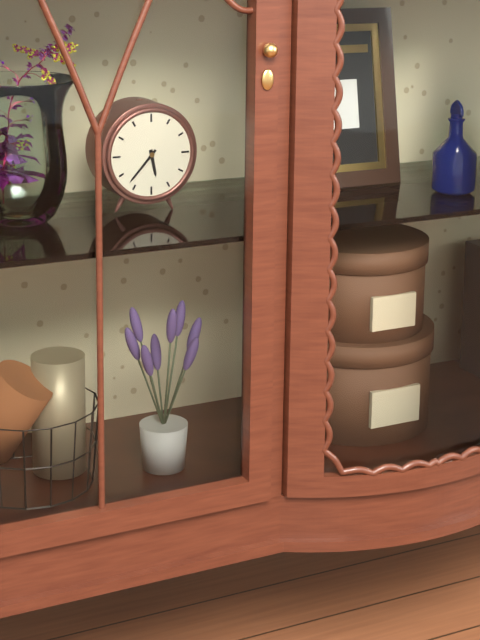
{"hour": 5, "minute": 37}
